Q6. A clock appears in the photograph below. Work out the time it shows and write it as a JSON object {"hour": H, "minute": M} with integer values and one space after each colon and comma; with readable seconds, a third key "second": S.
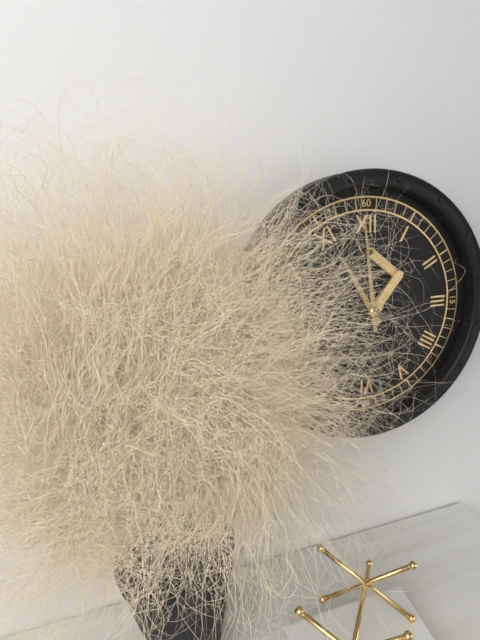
{"hour": 10, "minute": 59}
